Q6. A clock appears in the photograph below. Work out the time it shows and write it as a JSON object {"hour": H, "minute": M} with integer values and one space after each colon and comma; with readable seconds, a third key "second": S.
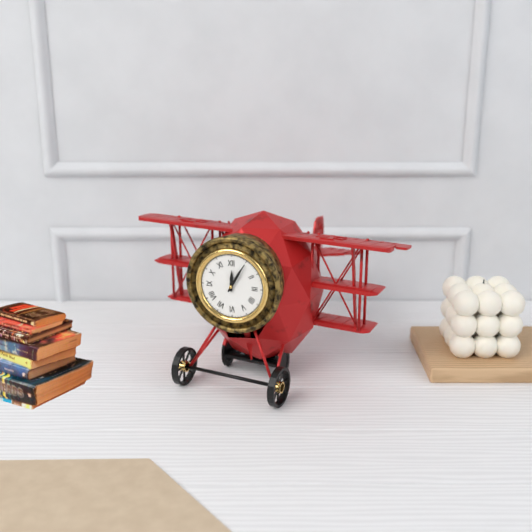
{"hour": 12, "minute": 5}
